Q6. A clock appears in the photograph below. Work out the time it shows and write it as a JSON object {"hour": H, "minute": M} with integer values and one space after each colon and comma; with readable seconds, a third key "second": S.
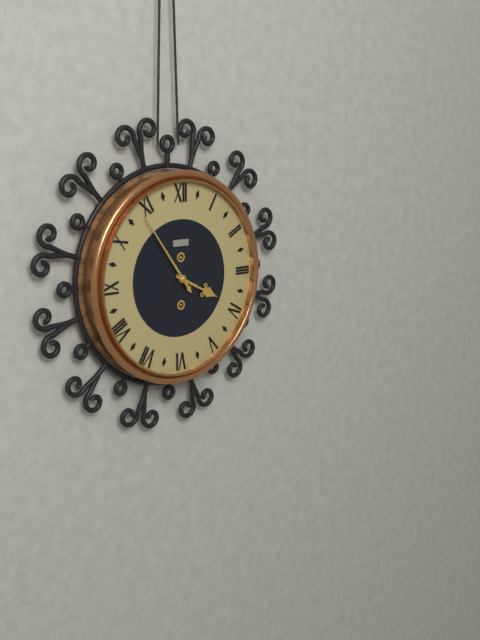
{"hour": 3, "minute": 54}
